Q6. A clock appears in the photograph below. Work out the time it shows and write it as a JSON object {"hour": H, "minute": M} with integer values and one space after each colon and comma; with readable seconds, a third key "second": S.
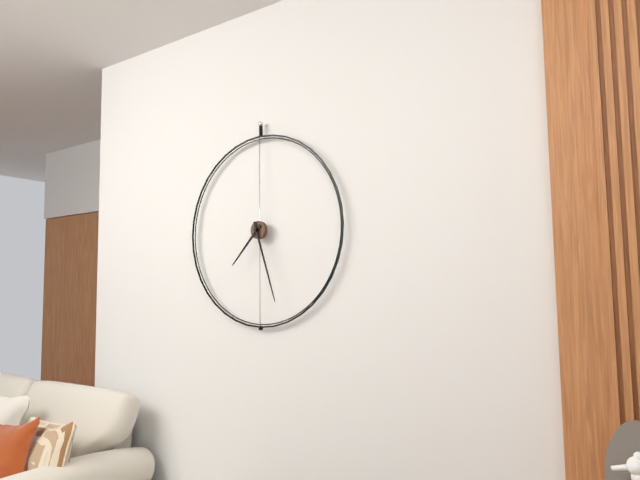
{"hour": 7, "minute": 27}
